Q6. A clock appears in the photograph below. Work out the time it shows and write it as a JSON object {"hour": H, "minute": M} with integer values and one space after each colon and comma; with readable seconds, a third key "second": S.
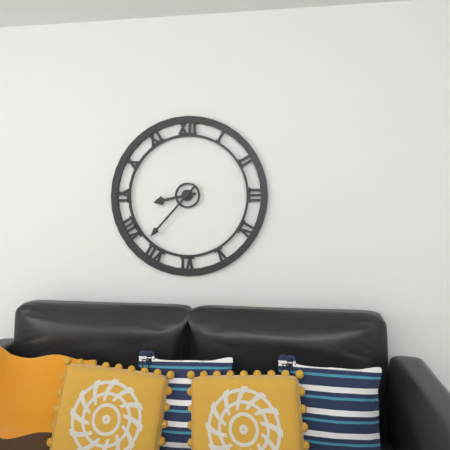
{"hour": 8, "minute": 37}
